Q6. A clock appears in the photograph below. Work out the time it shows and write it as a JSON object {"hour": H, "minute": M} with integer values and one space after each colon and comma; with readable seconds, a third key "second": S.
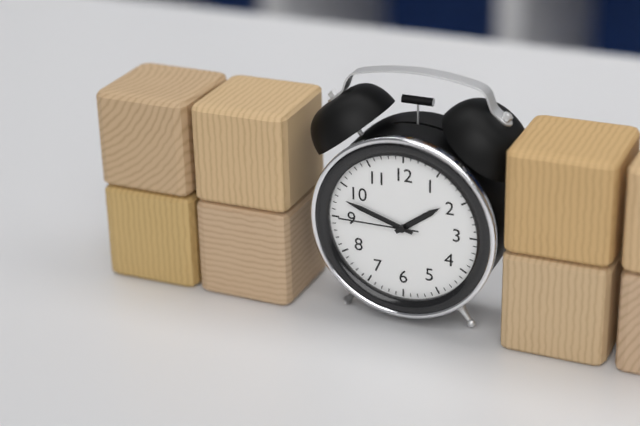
{"hour": 1, "minute": 48, "second": 45}
